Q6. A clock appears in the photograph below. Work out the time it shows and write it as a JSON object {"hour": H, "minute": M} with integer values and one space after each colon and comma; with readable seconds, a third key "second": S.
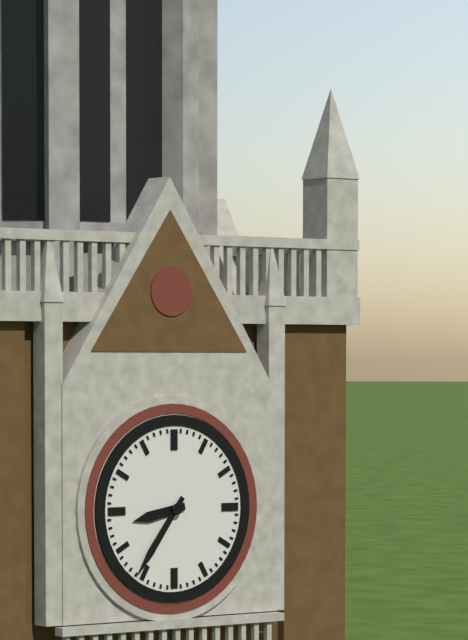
{"hour": 8, "minute": 36}
